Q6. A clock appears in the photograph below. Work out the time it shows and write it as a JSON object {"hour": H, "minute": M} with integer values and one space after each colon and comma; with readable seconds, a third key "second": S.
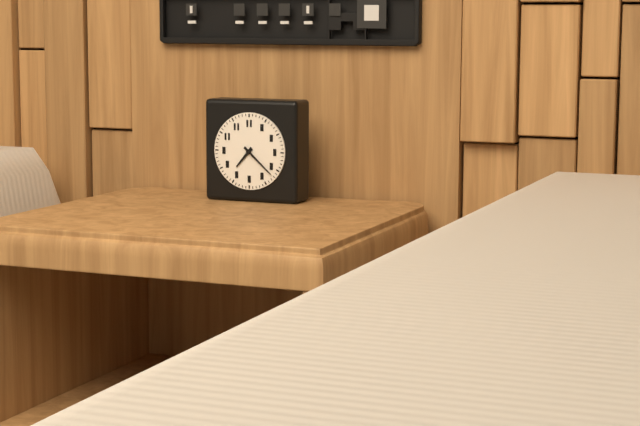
{"hour": 7, "minute": 22}
